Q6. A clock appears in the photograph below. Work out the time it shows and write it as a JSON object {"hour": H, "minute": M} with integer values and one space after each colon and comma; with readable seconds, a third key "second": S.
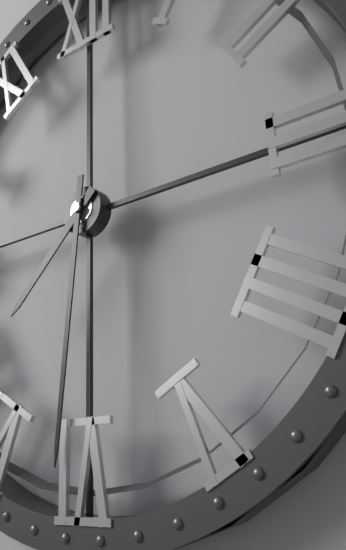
{"hour": 7, "minute": 31}
